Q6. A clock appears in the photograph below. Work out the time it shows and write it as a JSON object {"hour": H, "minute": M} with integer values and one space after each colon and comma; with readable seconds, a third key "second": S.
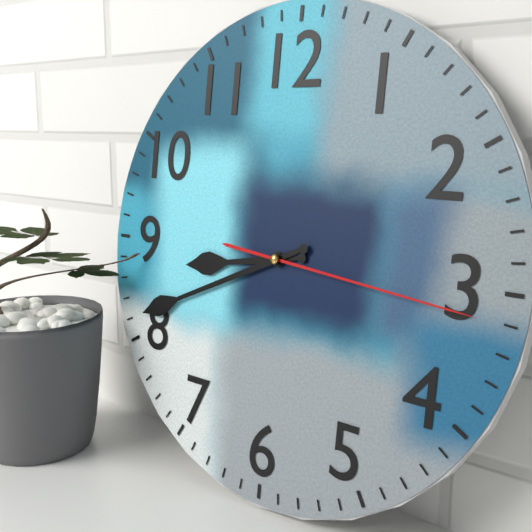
{"hour": 8, "minute": 41, "second": 16}
